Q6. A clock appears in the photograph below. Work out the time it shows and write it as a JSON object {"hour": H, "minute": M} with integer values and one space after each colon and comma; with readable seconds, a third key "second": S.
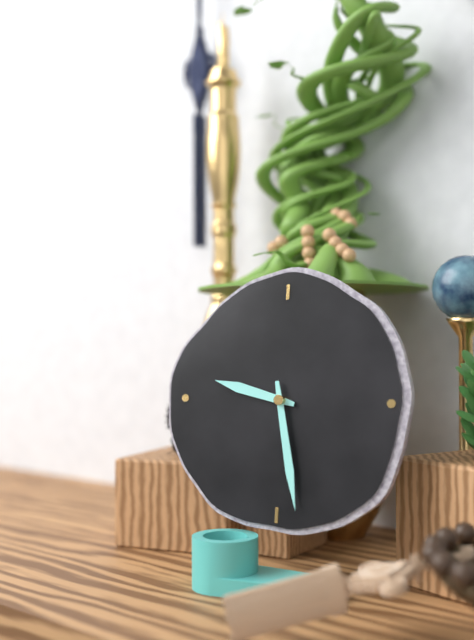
{"hour": 9, "minute": 28}
